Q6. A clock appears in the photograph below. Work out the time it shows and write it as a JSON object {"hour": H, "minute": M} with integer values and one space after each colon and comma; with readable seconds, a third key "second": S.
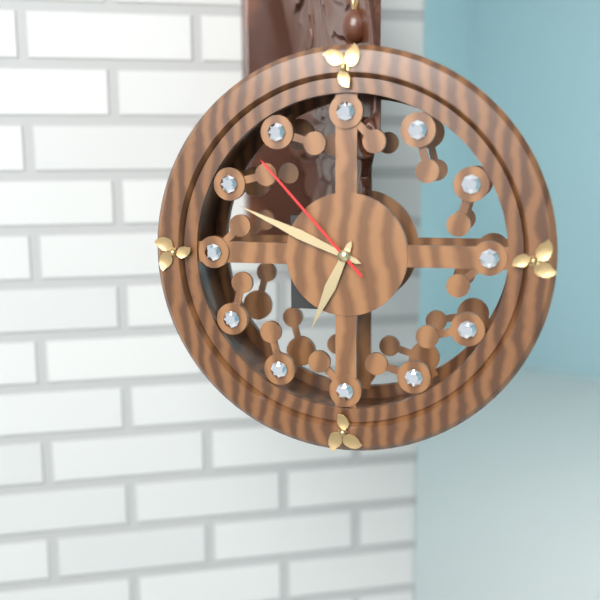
{"hour": 6, "minute": 49, "second": 53}
